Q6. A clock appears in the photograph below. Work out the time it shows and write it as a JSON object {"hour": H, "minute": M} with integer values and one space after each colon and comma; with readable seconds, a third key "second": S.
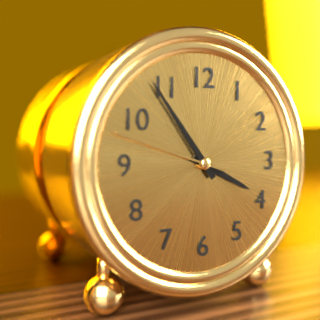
{"hour": 3, "minute": 54, "second": 48}
